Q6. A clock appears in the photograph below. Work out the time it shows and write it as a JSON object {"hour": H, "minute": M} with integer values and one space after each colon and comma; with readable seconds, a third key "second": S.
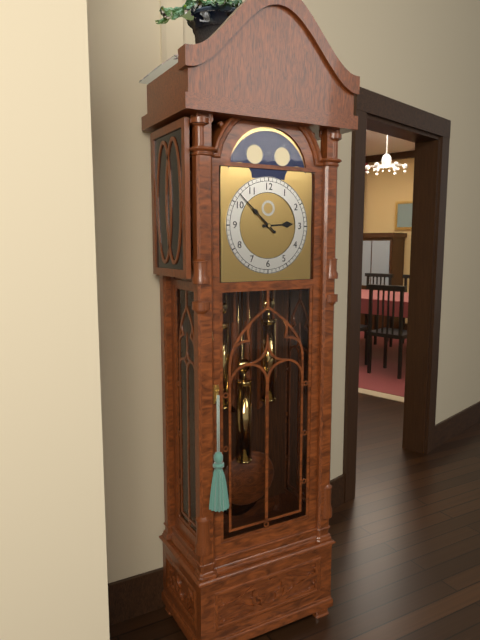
{"hour": 2, "minute": 52}
